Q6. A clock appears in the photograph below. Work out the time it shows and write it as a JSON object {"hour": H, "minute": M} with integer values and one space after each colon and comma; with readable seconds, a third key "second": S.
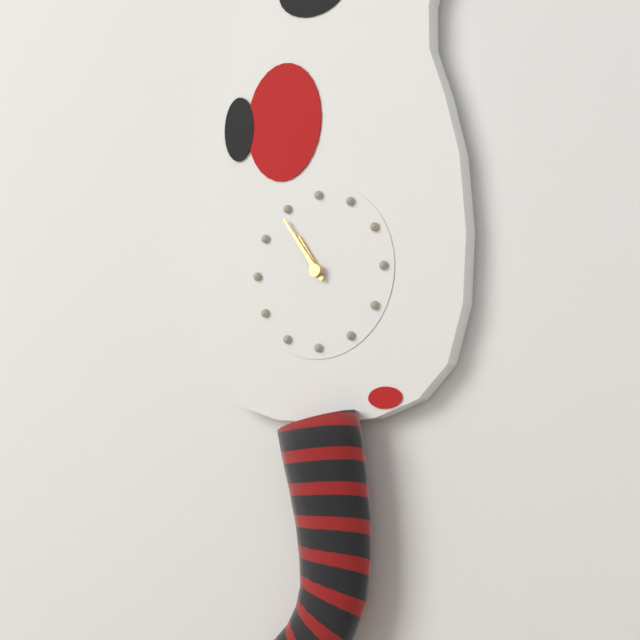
{"hour": 10, "minute": 54}
